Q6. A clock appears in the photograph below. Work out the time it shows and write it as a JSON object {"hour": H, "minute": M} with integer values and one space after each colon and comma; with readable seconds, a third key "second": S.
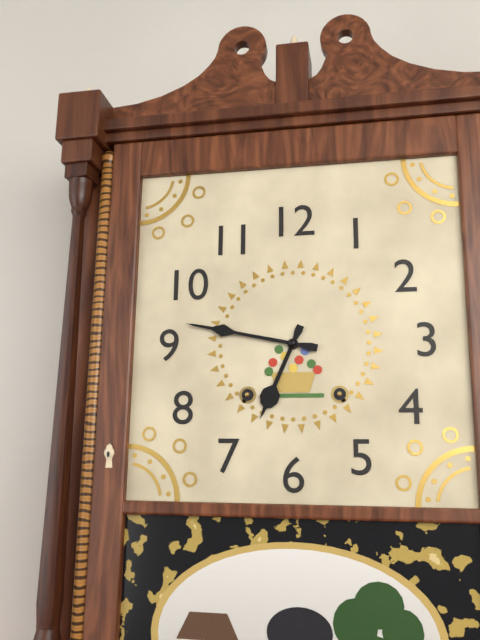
{"hour": 6, "minute": 47}
